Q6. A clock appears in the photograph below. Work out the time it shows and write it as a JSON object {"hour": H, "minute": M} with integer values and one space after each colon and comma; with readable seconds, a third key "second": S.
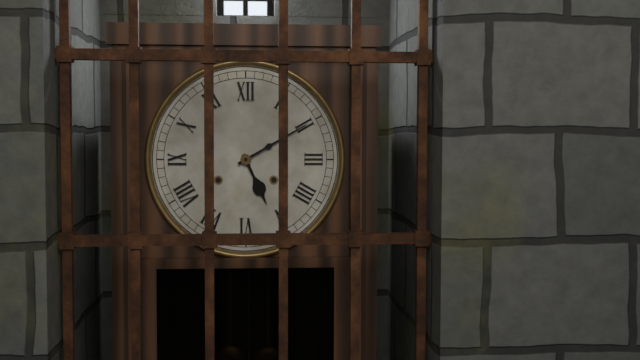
{"hour": 5, "minute": 10}
